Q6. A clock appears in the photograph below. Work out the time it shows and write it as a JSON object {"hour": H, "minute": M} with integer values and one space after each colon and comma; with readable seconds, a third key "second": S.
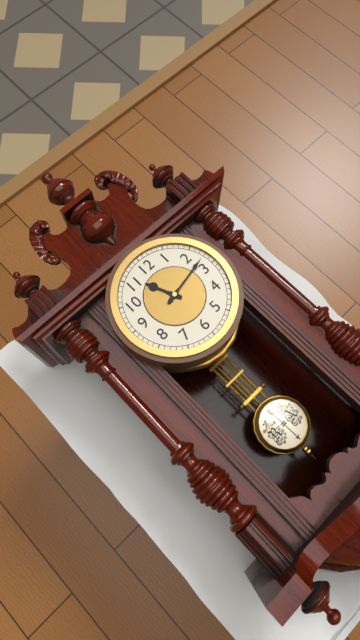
{"hour": 11, "minute": 13}
